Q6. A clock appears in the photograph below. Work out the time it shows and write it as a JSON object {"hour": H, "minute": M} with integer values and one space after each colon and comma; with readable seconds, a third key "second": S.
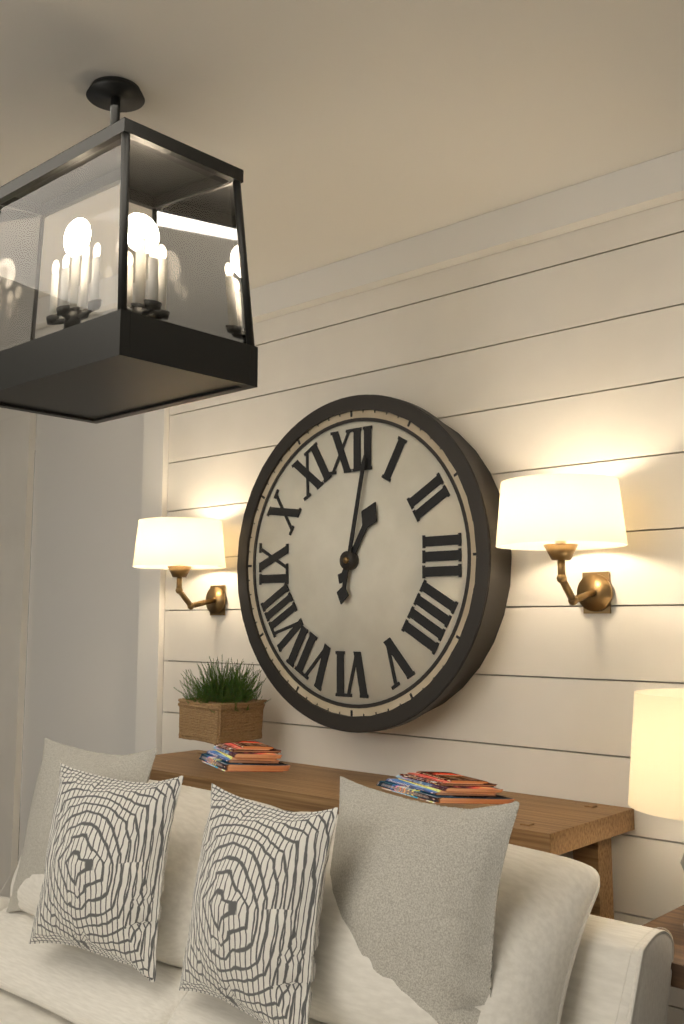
{"hour": 1, "minute": 2}
